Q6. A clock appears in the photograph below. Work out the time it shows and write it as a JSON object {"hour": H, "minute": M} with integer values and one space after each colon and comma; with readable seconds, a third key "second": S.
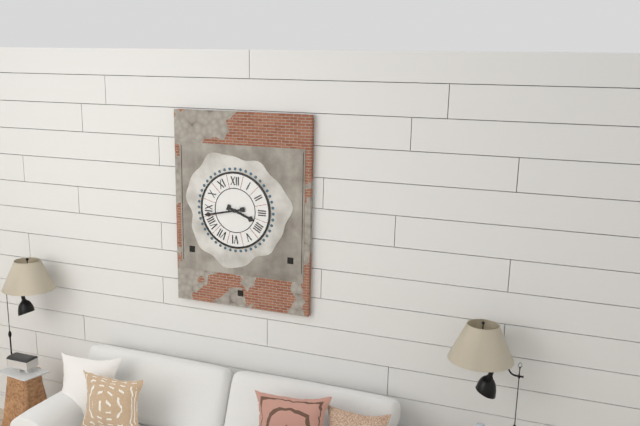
{"hour": 3, "minute": 43}
